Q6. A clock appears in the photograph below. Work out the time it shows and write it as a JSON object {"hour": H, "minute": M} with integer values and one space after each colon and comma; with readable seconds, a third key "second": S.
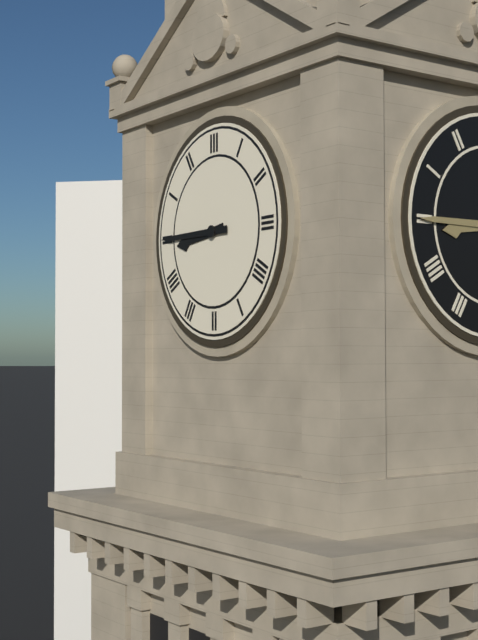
{"hour": 8, "minute": 45}
